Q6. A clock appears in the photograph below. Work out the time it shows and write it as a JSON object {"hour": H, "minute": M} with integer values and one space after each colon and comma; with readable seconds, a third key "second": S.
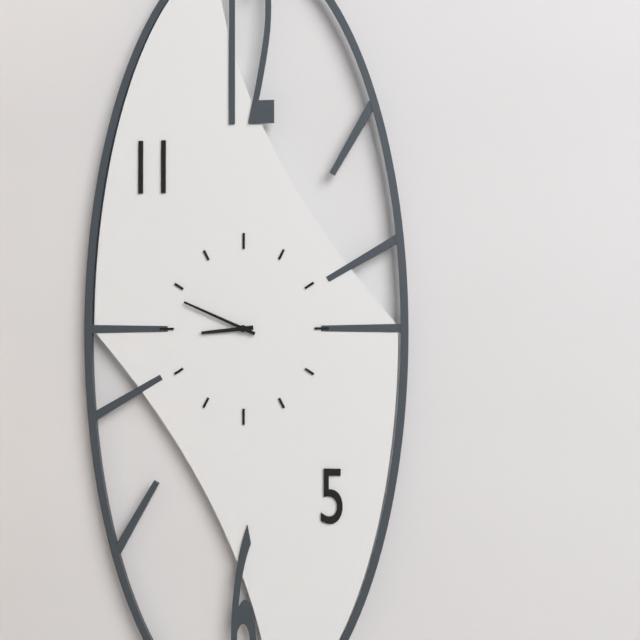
{"hour": 8, "minute": 49}
